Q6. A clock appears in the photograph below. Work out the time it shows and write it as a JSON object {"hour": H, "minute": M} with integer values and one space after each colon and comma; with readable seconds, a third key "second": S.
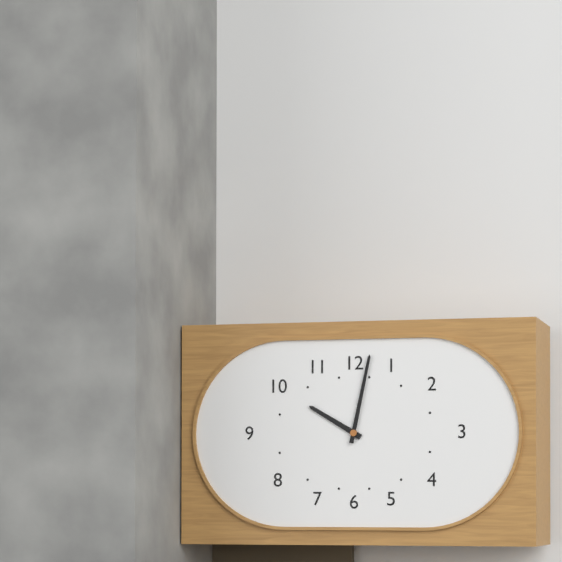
{"hour": 10, "minute": 2}
